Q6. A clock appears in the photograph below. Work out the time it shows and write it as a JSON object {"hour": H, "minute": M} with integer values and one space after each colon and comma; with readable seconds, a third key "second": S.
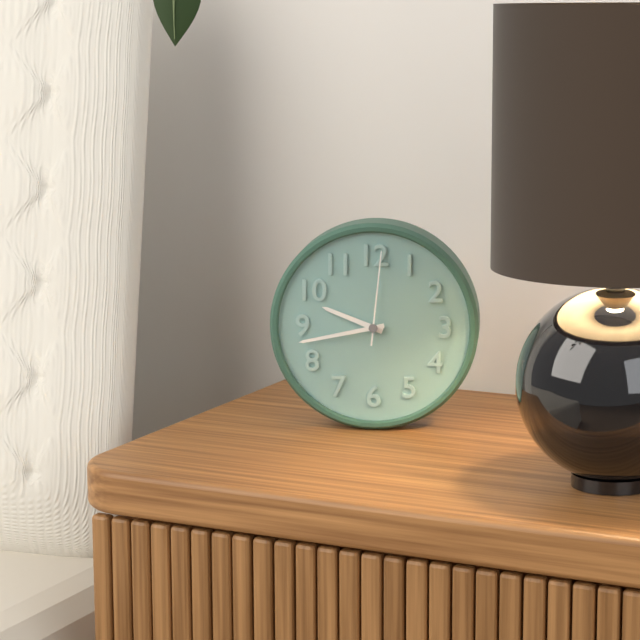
{"hour": 9, "minute": 43, "second": 1}
